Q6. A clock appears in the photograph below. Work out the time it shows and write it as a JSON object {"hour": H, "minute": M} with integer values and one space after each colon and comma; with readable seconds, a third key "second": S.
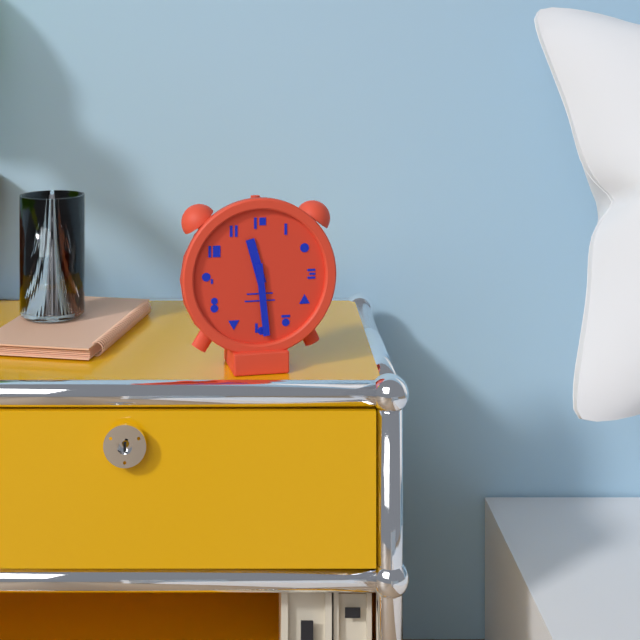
{"hour": 11, "minute": 29}
